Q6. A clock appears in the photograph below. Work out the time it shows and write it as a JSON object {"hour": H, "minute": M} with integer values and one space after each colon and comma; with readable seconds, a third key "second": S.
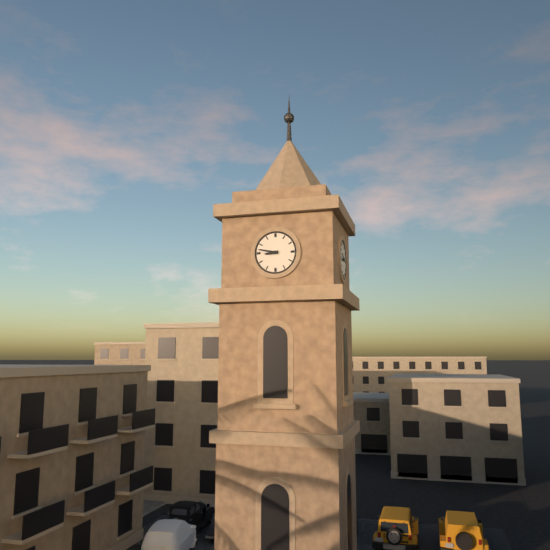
{"hour": 8, "minute": 47}
